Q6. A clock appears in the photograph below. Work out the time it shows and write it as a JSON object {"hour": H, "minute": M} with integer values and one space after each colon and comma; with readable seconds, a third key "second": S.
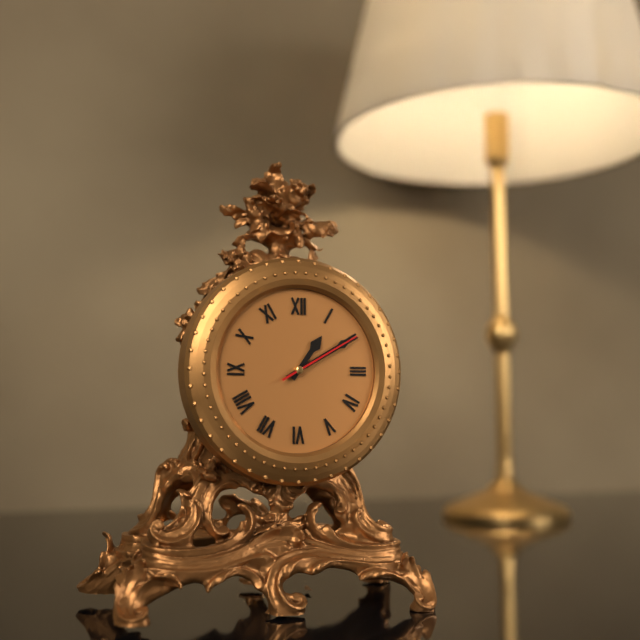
{"hour": 1, "minute": 10, "second": 10}
